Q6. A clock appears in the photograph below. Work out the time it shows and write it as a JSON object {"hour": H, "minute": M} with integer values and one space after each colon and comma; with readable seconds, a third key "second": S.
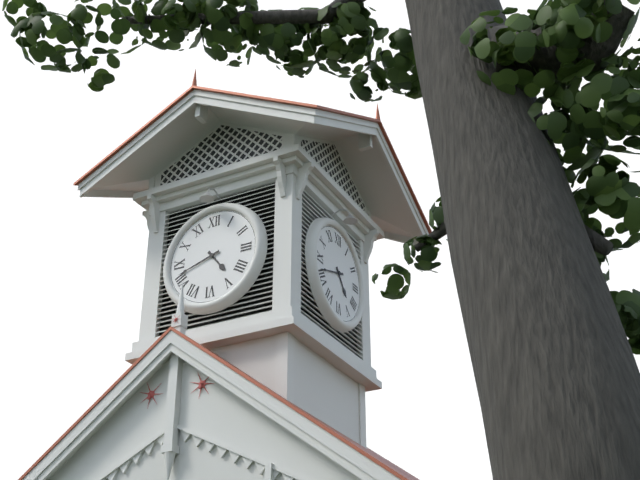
{"hour": 4, "minute": 42}
